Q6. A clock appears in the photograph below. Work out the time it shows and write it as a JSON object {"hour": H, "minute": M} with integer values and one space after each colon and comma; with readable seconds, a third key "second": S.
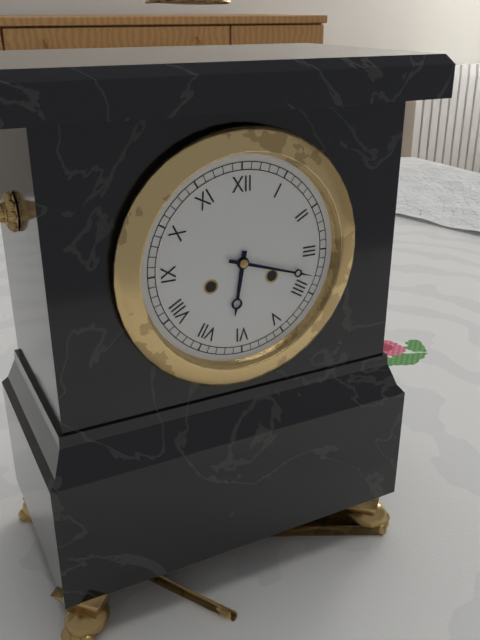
{"hour": 6, "minute": 18}
